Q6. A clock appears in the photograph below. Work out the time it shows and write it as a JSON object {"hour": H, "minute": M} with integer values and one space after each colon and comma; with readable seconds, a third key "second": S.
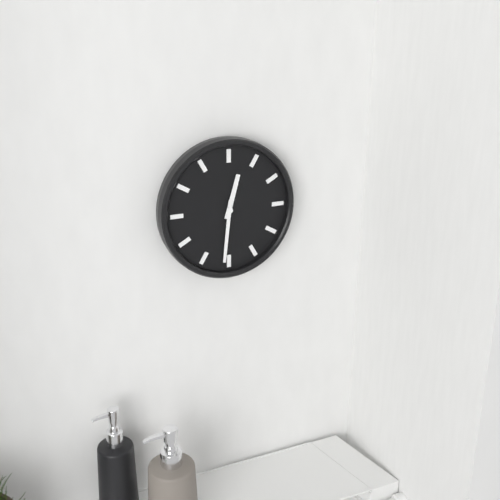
{"hour": 12, "minute": 31}
